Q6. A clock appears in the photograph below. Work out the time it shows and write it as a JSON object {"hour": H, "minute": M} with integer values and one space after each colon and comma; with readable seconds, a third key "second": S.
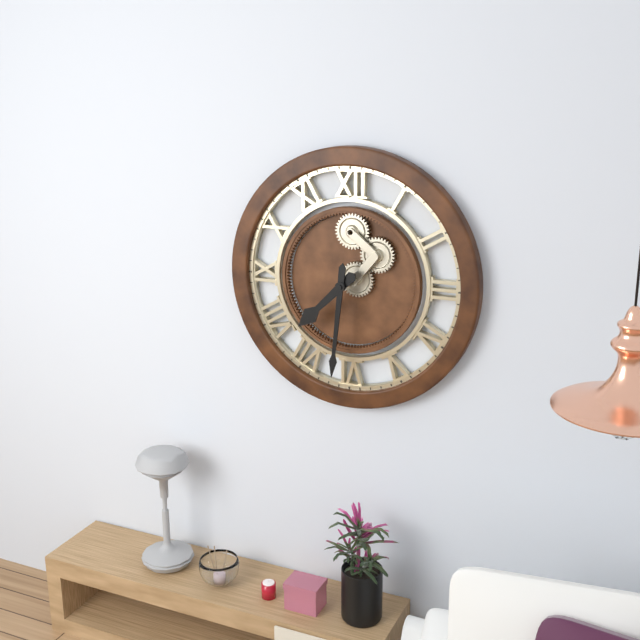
{"hour": 7, "minute": 31}
